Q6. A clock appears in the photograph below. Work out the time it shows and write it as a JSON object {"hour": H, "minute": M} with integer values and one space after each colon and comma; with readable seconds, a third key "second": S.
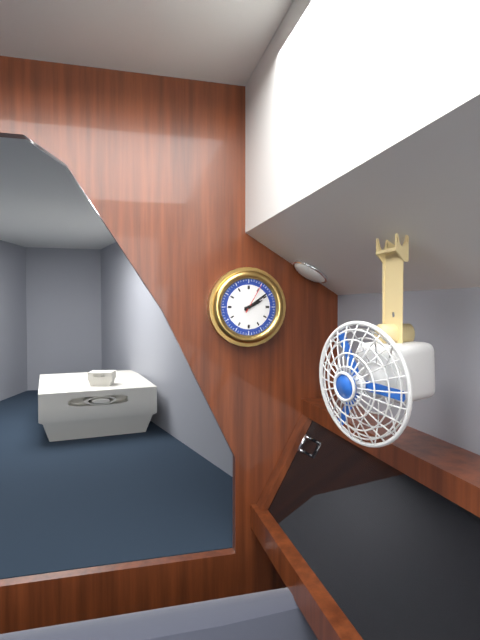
{"hour": 2, "minute": 9}
